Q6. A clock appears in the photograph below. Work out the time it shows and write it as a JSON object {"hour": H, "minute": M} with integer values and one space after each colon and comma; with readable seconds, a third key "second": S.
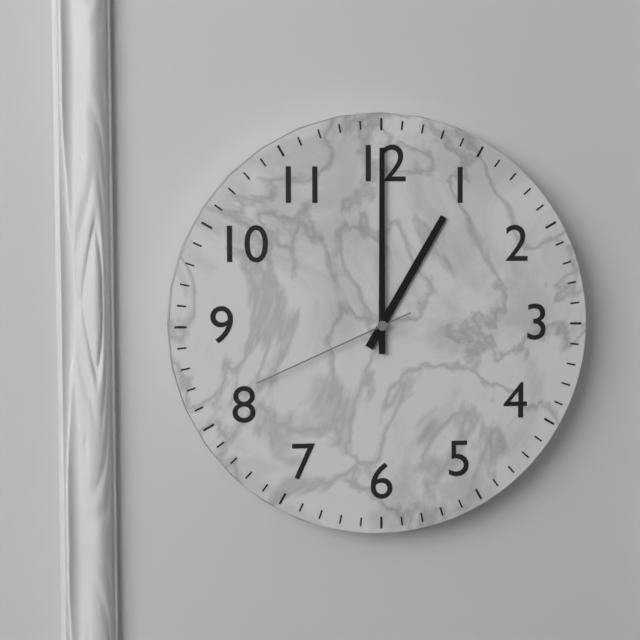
{"hour": 1, "minute": 0, "second": 41}
